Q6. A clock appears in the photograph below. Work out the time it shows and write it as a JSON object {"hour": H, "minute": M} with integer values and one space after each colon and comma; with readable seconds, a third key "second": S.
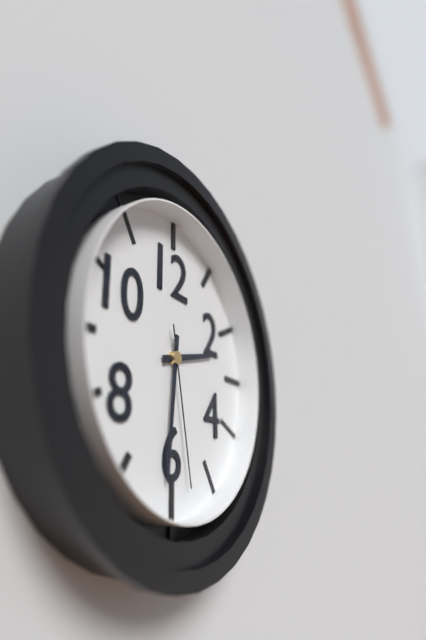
{"hour": 2, "minute": 31, "second": 28}
